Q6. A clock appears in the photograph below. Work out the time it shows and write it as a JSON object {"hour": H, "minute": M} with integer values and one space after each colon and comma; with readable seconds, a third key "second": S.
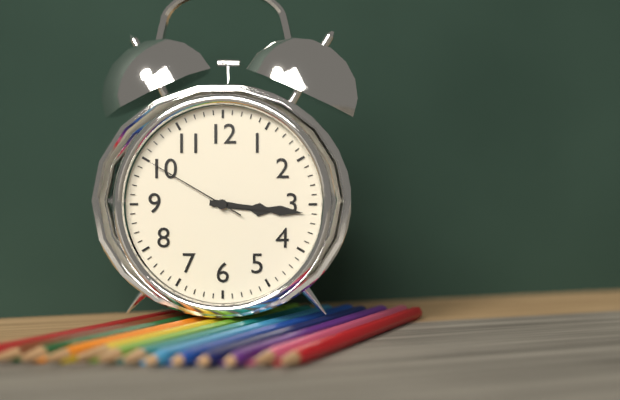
{"hour": 3, "minute": 16, "second": 50}
